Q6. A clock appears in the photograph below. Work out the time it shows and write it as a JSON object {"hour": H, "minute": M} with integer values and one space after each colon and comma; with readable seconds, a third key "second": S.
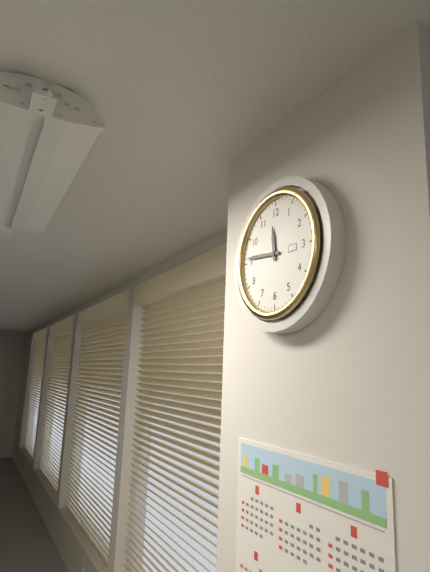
{"hour": 11, "minute": 46}
